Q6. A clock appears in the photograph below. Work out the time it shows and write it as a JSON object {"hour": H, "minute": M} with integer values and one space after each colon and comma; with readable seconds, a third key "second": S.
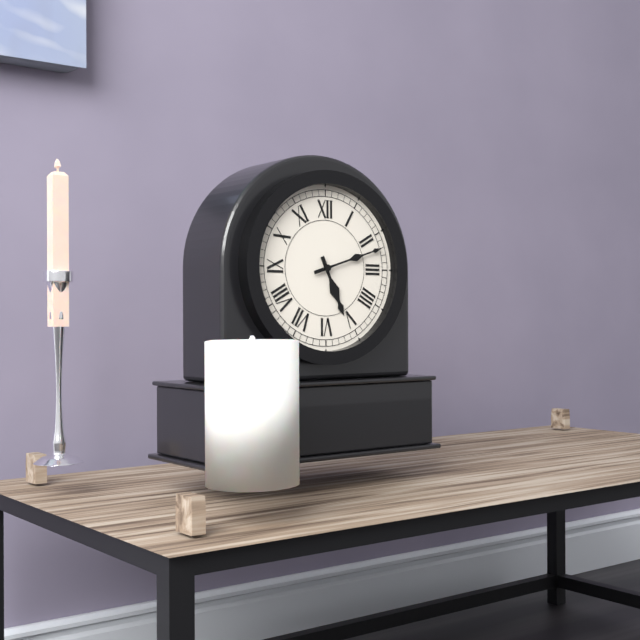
{"hour": 5, "minute": 12}
